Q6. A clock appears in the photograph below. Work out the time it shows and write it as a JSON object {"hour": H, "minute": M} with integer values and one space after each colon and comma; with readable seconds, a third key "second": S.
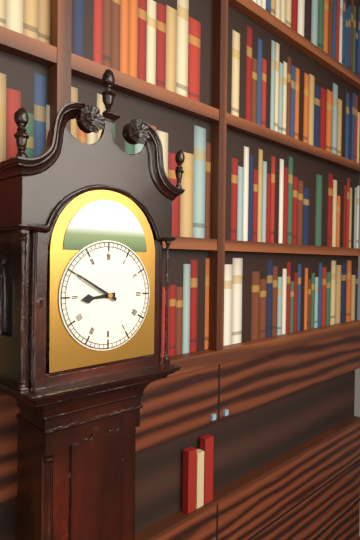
{"hour": 8, "minute": 50}
